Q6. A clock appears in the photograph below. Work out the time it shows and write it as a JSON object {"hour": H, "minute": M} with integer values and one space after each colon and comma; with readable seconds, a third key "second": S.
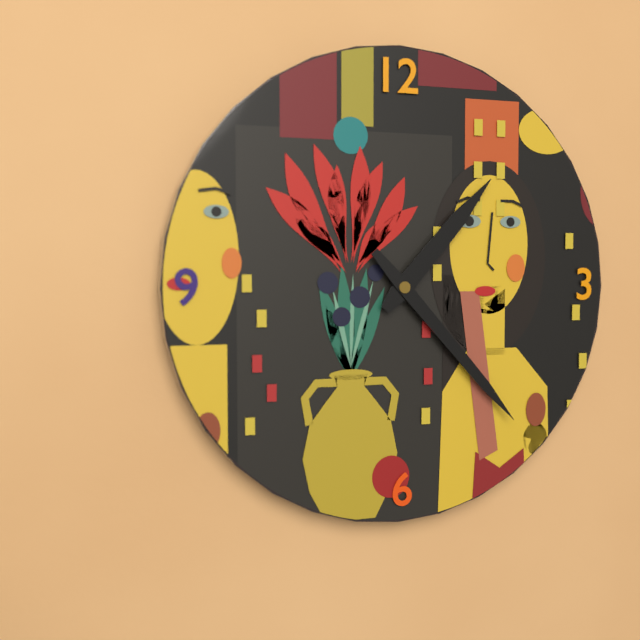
{"hour": 1, "minute": 23}
